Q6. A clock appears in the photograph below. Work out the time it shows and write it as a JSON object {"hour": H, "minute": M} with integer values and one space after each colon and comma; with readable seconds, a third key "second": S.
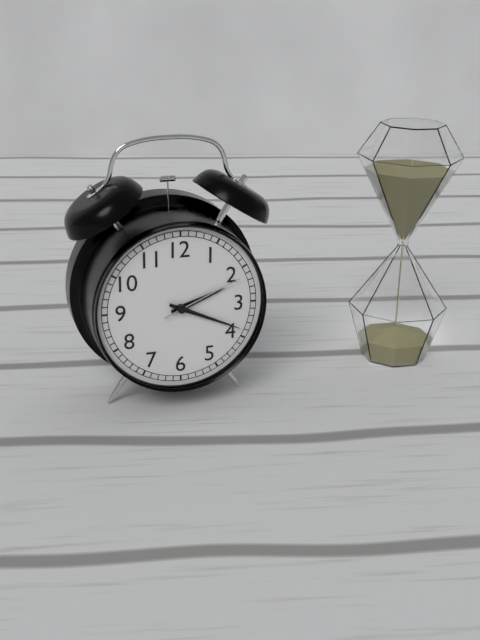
{"hour": 2, "minute": 19, "second": 11}
